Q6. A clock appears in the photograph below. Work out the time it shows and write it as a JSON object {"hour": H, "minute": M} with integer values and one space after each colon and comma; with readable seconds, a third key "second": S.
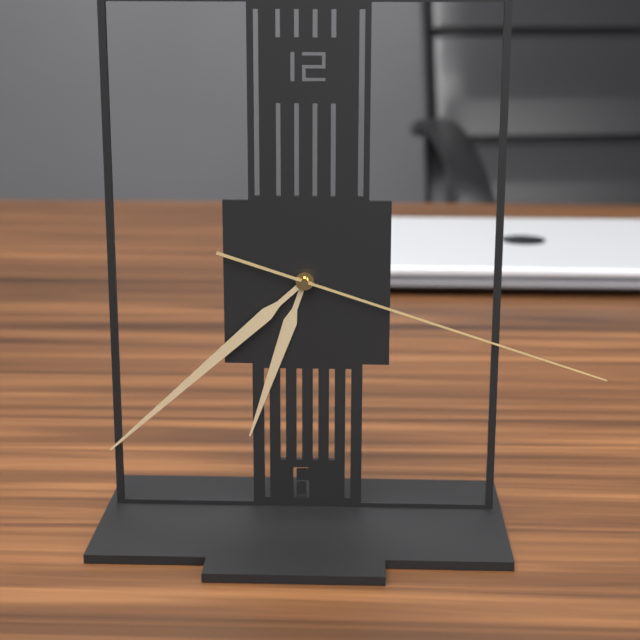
{"hour": 6, "minute": 38, "second": 18}
